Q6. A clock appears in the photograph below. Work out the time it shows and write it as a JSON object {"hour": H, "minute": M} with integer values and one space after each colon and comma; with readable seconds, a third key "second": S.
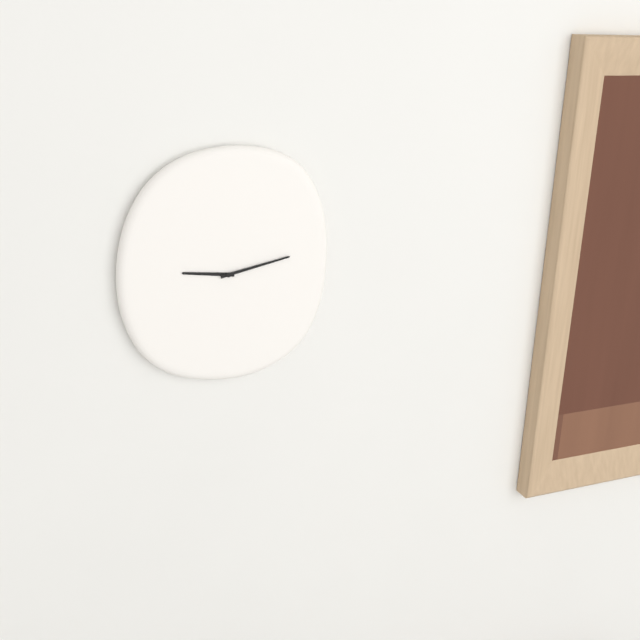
{"hour": 9, "minute": 13}
